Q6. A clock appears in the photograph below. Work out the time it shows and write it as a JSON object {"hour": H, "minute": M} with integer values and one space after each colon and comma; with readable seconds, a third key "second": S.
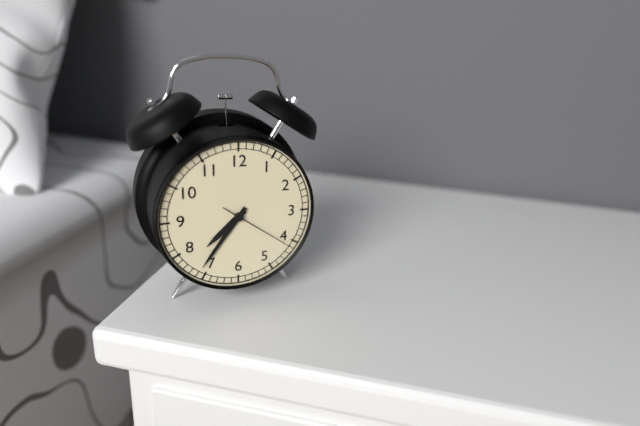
{"hour": 7, "minute": 36, "second": 21}
